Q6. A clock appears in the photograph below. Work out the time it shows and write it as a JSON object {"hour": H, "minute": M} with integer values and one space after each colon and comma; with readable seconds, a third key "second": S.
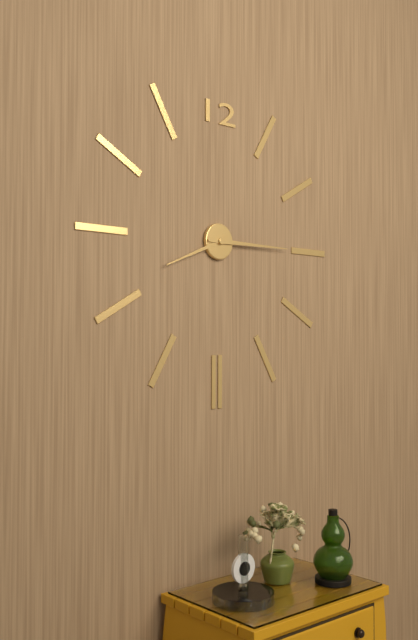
{"hour": 8, "minute": 15}
